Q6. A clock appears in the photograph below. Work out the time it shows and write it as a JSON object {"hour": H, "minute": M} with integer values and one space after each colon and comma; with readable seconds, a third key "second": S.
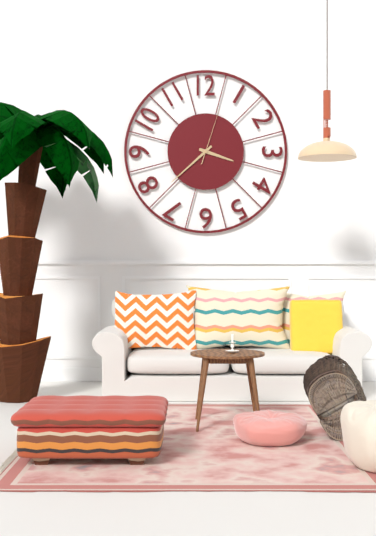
{"hour": 3, "minute": 38, "second": 3}
